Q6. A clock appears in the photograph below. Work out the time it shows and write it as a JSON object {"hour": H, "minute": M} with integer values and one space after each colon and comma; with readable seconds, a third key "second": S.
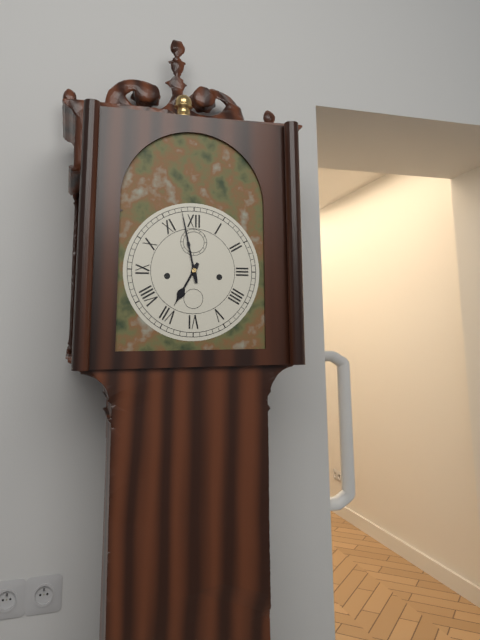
{"hour": 6, "minute": 58}
